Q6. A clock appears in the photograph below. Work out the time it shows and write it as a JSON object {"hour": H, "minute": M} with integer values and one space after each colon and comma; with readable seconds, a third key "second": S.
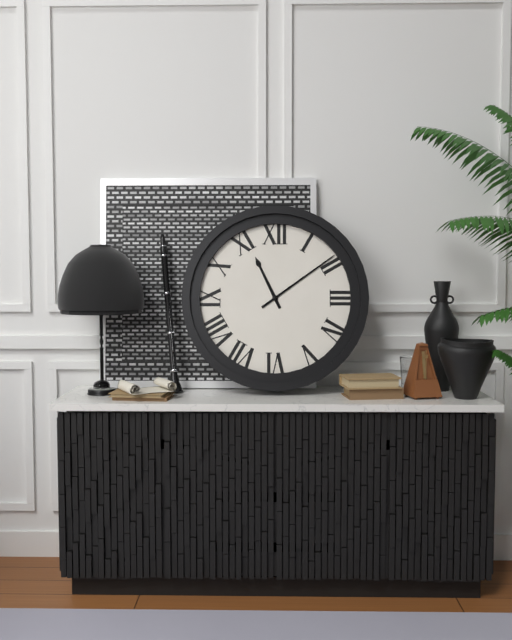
{"hour": 11, "minute": 9}
